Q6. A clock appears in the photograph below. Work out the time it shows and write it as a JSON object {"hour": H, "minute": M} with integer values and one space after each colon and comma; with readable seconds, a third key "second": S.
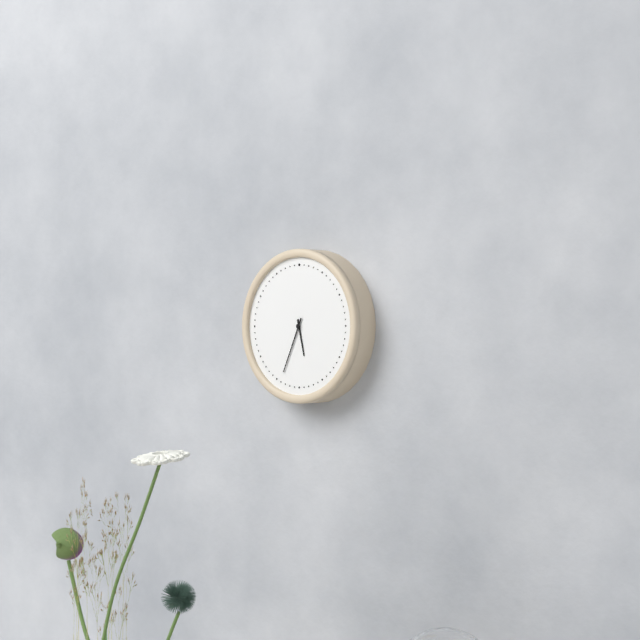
{"hour": 5, "minute": 34}
